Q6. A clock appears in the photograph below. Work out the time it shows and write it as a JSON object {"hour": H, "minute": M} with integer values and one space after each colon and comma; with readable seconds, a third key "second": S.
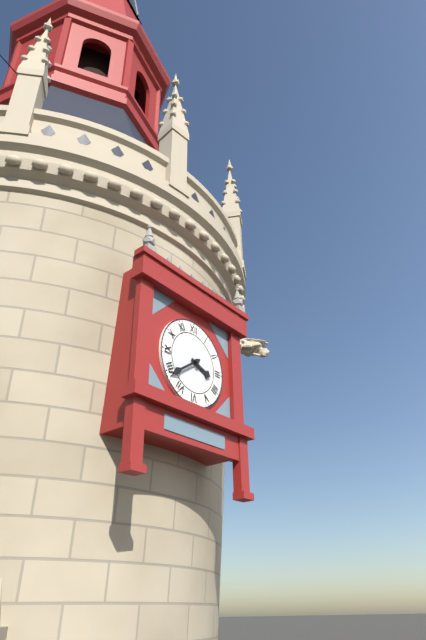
{"hour": 3, "minute": 39}
